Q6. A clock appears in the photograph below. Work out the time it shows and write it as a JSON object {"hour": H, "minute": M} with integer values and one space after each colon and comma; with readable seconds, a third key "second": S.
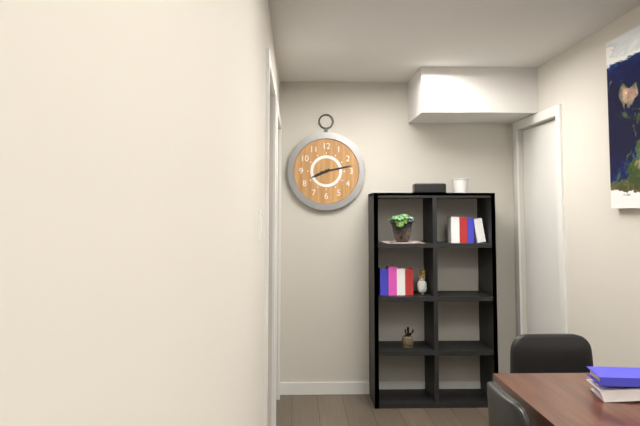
{"hour": 8, "minute": 13}
